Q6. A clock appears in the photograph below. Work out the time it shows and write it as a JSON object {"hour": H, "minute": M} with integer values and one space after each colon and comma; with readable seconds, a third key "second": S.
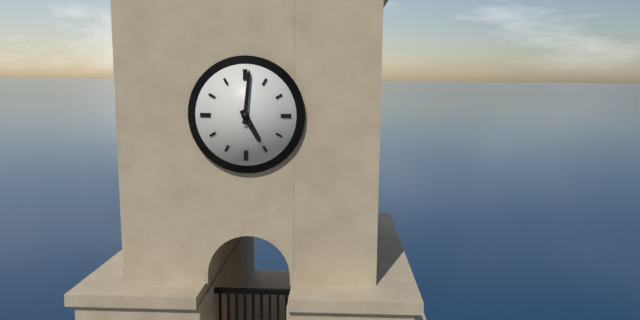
{"hour": 5, "minute": 1}
